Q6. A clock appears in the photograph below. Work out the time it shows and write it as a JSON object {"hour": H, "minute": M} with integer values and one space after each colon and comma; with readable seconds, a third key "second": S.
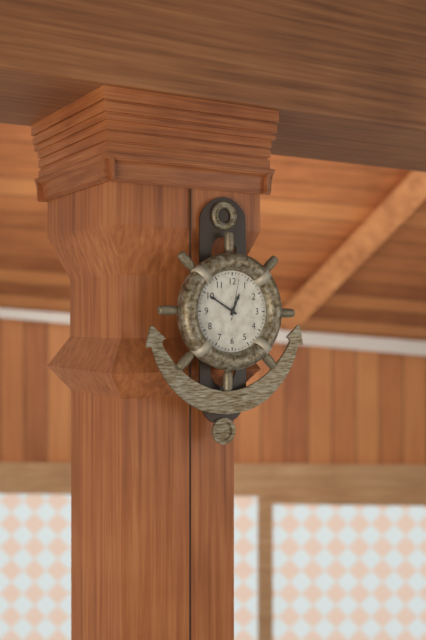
{"hour": 12, "minute": 50}
